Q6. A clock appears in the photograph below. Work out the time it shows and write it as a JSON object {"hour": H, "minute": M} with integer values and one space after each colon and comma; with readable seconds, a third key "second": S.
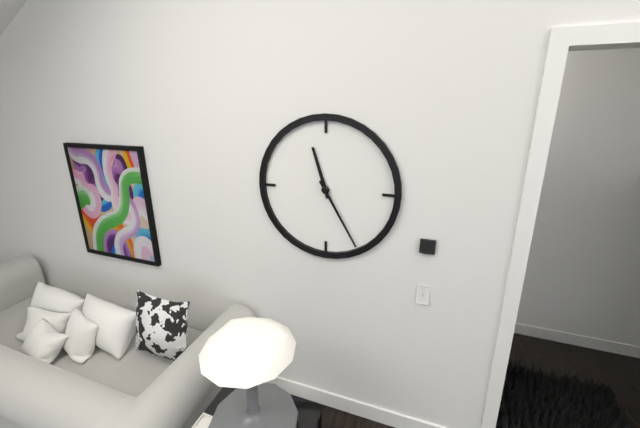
{"hour": 11, "minute": 25}
